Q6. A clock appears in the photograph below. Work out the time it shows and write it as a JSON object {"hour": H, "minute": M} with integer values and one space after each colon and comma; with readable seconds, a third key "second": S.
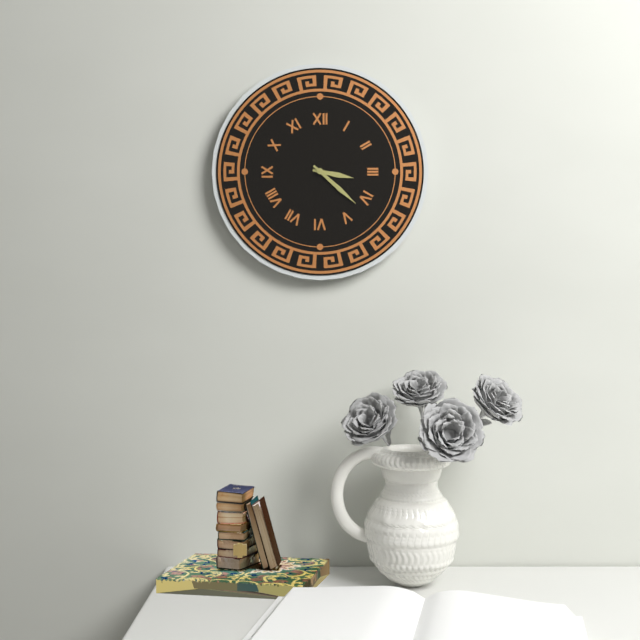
{"hour": 3, "minute": 22}
